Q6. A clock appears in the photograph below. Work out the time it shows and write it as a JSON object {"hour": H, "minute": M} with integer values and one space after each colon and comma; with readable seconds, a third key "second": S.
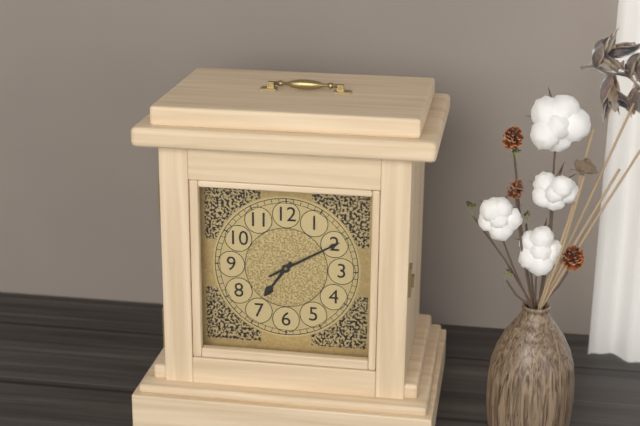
{"hour": 7, "minute": 10}
